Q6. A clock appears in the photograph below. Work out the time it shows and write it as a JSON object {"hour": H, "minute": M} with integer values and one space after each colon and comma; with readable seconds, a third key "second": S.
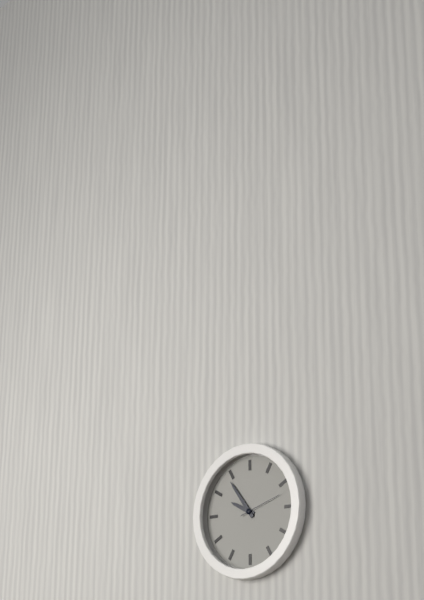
{"hour": 9, "minute": 54}
